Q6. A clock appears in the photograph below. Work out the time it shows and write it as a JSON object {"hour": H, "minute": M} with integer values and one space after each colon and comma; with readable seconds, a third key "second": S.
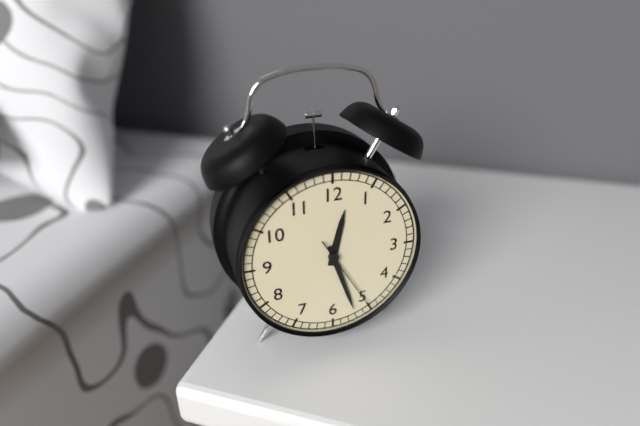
{"hour": 12, "minute": 27, "second": 25}
